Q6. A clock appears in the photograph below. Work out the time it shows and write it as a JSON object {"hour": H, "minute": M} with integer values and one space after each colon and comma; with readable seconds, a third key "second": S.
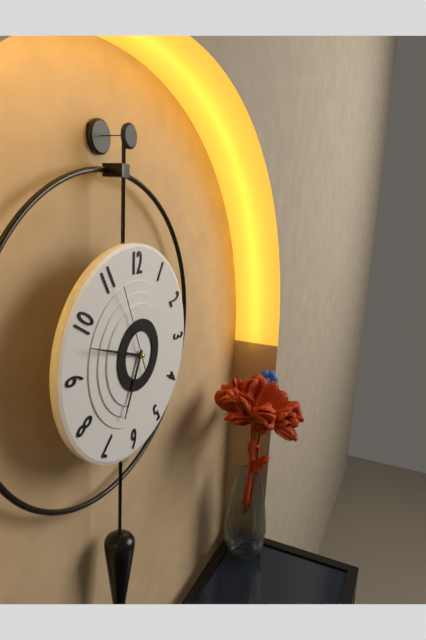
{"hour": 6, "minute": 48, "second": 56}
